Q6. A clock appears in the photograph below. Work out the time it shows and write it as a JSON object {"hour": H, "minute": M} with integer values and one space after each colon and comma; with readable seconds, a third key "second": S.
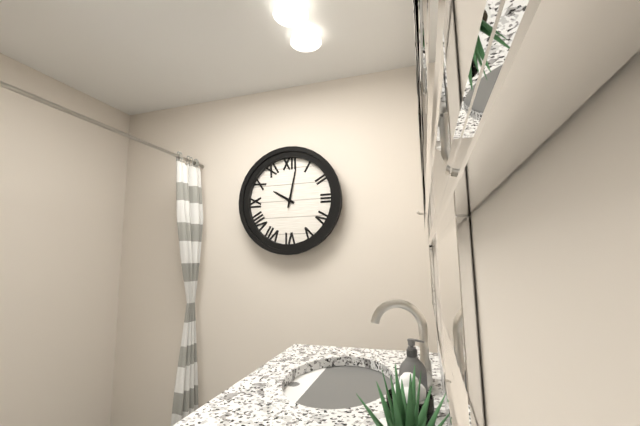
{"hour": 10, "minute": 2}
